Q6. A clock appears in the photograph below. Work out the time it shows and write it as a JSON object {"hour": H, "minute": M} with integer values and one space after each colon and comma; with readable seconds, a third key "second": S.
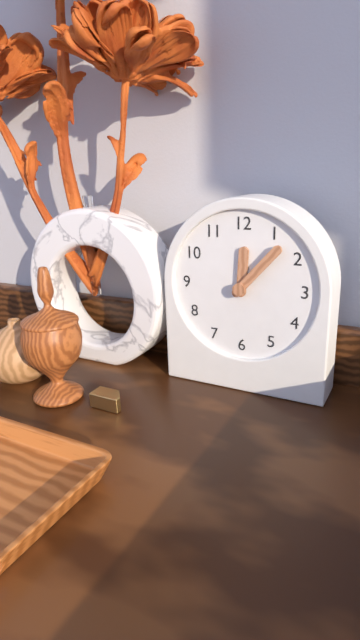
{"hour": 12, "minute": 7}
